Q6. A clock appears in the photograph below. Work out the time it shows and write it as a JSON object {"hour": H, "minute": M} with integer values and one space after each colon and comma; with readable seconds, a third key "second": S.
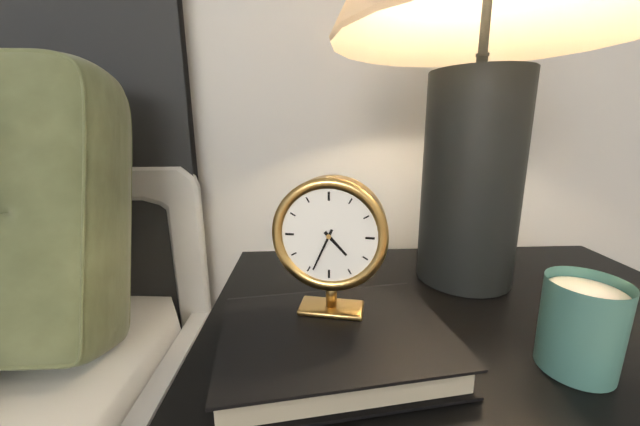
{"hour": 4, "minute": 34}
